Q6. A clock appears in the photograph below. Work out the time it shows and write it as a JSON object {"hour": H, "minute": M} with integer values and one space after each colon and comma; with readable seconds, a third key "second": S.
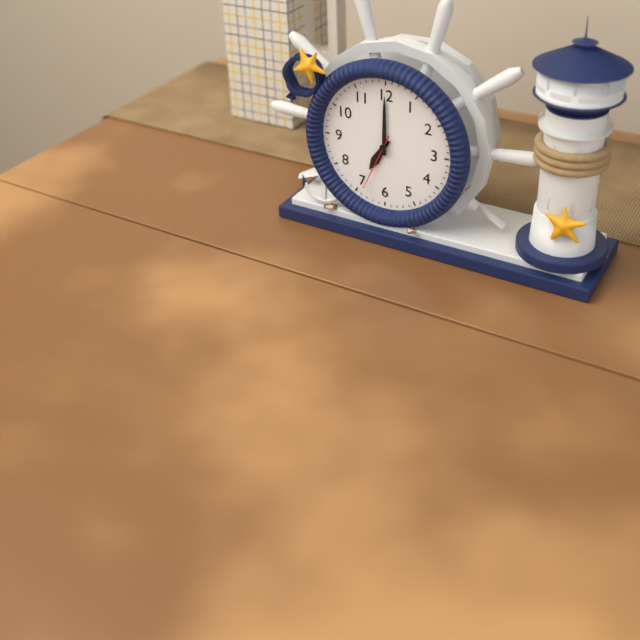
{"hour": 7, "minute": 0, "second": 34}
